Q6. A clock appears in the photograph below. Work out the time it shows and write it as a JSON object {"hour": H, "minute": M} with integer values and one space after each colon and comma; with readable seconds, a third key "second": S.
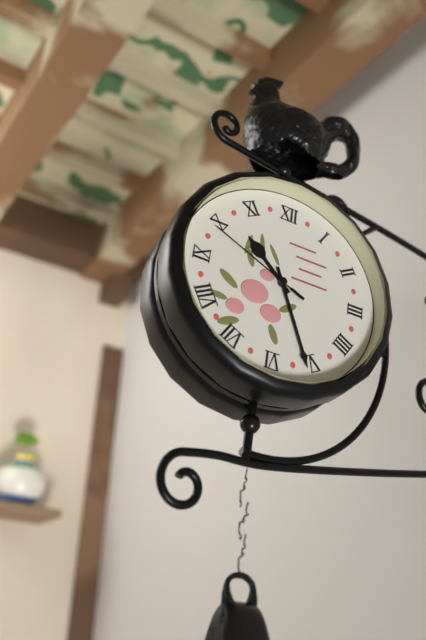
{"hour": 10, "minute": 26, "second": 49}
